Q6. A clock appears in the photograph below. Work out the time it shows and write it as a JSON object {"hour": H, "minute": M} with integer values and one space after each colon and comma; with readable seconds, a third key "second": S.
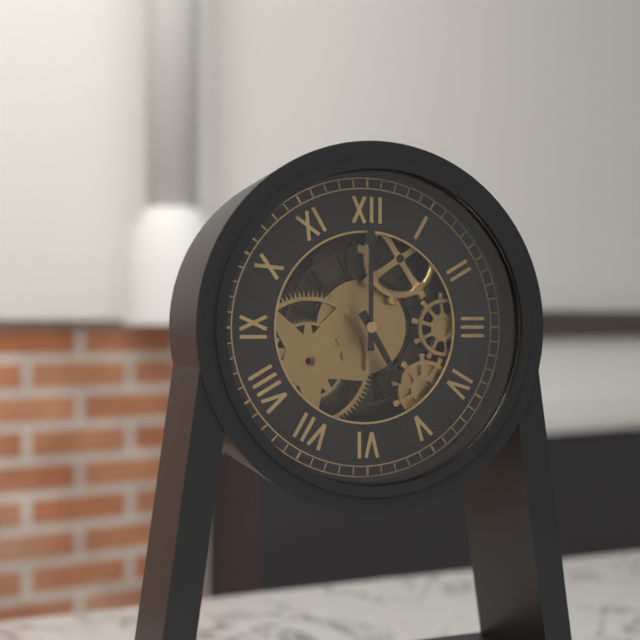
{"hour": 5, "minute": 0}
